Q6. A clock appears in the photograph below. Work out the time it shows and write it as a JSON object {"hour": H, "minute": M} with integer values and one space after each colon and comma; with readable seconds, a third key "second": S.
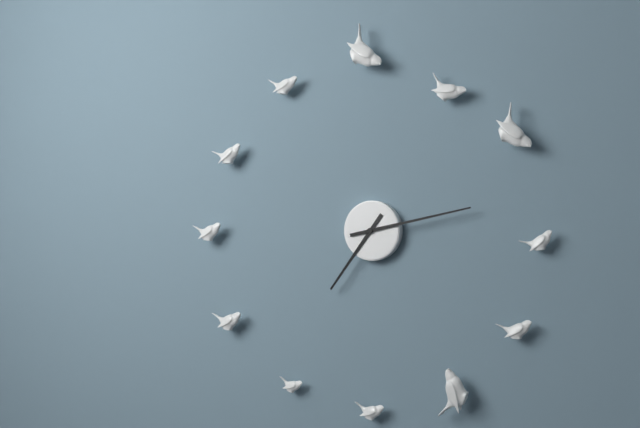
{"hour": 7, "minute": 13}
